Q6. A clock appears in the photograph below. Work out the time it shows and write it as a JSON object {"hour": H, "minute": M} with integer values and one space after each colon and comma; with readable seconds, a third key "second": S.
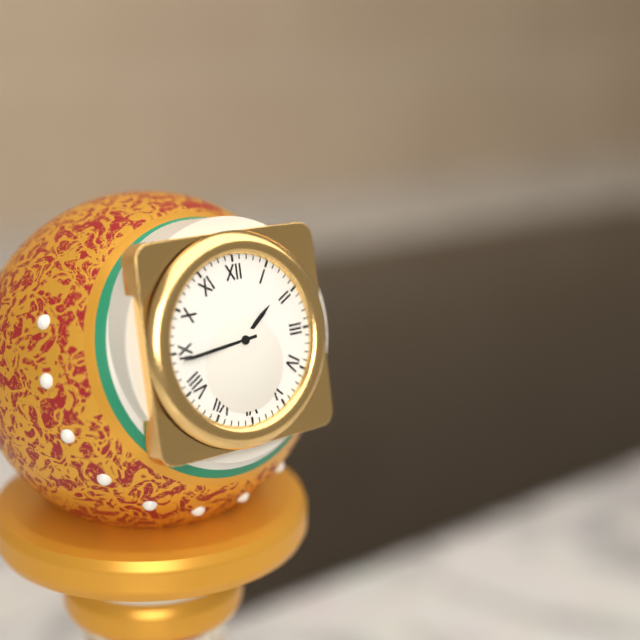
{"hour": 1, "minute": 44}
